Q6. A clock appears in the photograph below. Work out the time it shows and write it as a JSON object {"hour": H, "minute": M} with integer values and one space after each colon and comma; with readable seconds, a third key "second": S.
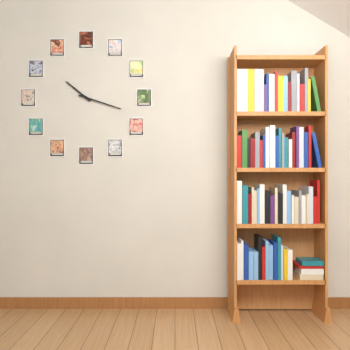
{"hour": 10, "minute": 18}
